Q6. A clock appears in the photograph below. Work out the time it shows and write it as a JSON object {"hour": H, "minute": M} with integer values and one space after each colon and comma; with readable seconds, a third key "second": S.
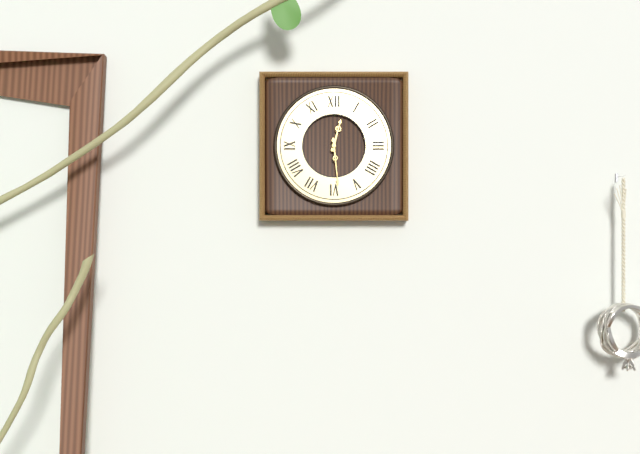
{"hour": 12, "minute": 29}
